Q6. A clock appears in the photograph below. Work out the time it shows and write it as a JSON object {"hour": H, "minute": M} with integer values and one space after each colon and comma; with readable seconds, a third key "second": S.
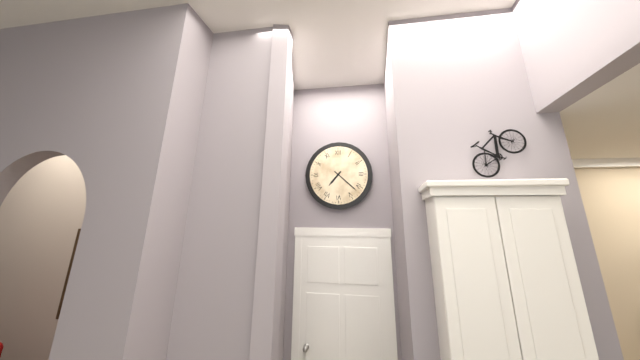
{"hour": 7, "minute": 22}
